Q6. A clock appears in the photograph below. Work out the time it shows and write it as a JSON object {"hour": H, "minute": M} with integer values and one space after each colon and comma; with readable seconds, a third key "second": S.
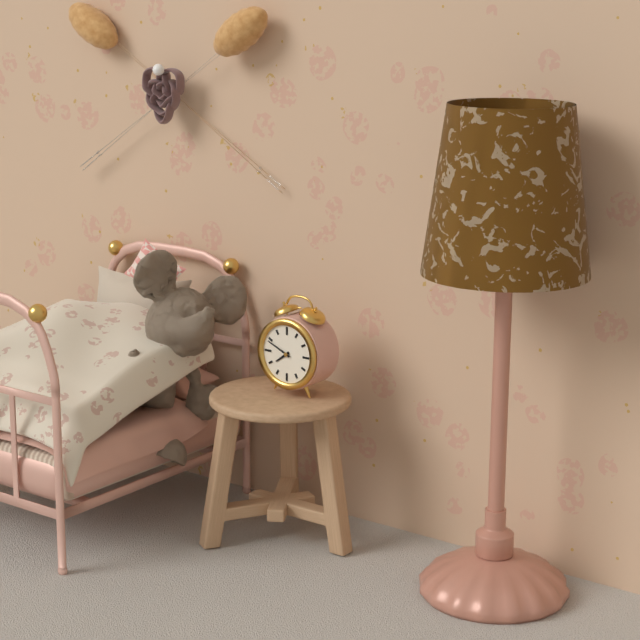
{"hour": 7, "minute": 49}
